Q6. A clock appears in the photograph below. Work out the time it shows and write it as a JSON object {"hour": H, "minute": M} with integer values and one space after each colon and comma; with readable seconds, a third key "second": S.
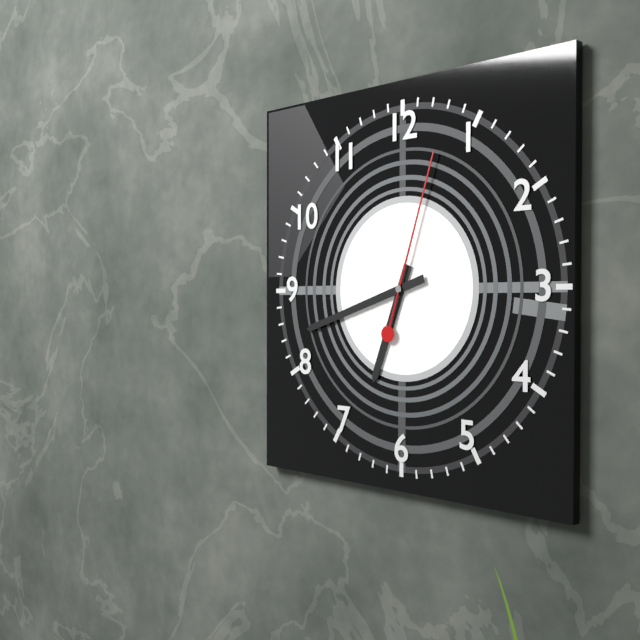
{"hour": 6, "minute": 42, "second": 3}
